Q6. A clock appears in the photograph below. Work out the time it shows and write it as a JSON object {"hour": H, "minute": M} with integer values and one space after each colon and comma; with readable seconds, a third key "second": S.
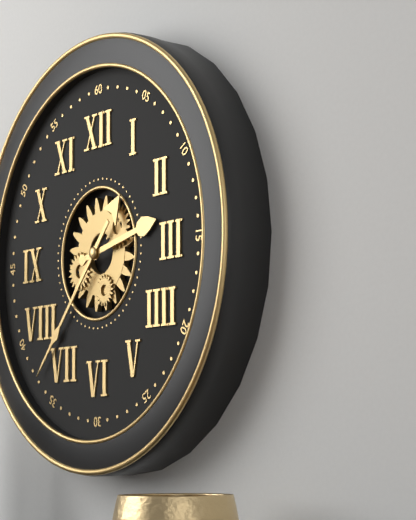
{"hour": 2, "minute": 37}
